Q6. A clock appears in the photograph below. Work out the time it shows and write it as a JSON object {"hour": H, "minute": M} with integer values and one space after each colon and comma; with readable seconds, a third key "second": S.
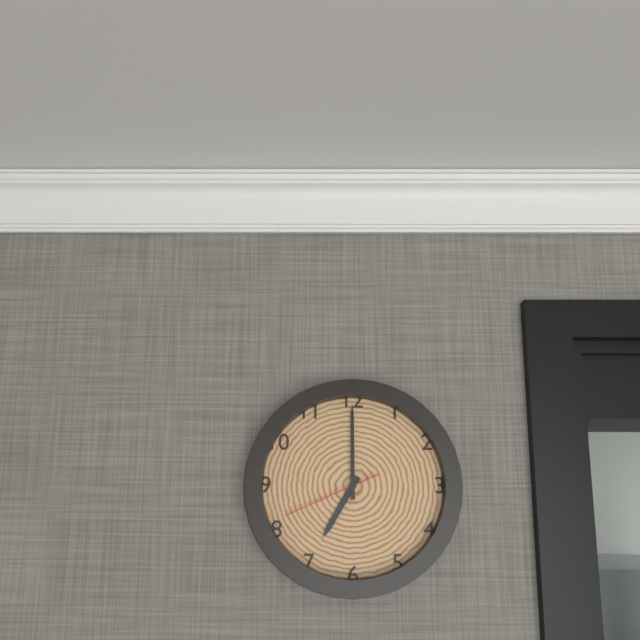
{"hour": 7, "minute": 0, "second": 41}
